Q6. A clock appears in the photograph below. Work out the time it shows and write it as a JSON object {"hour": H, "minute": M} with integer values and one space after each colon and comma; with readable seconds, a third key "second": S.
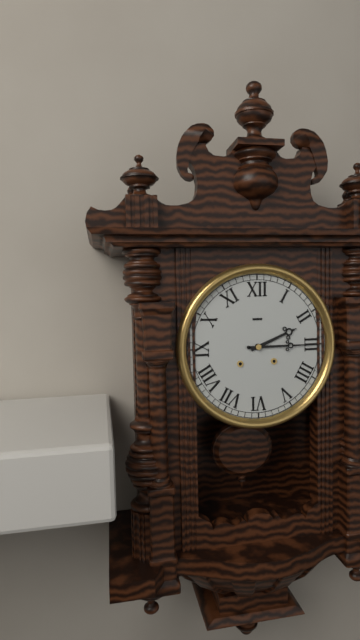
{"hour": 2, "minute": 15}
